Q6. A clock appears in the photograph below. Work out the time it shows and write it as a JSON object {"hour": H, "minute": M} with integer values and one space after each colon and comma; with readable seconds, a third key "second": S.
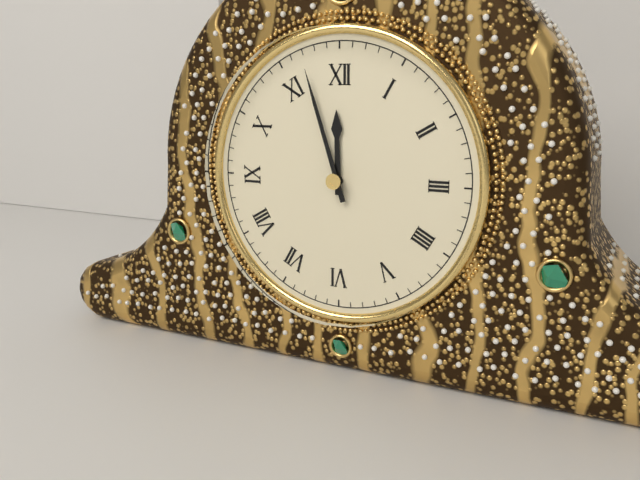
{"hour": 11, "minute": 57}
